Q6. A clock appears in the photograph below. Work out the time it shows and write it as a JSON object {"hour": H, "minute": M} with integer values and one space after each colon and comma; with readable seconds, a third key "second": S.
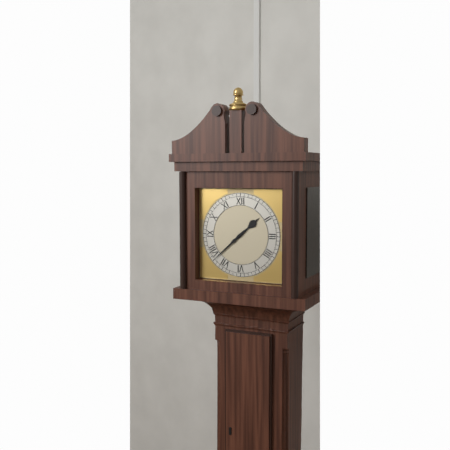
{"hour": 1, "minute": 38}
